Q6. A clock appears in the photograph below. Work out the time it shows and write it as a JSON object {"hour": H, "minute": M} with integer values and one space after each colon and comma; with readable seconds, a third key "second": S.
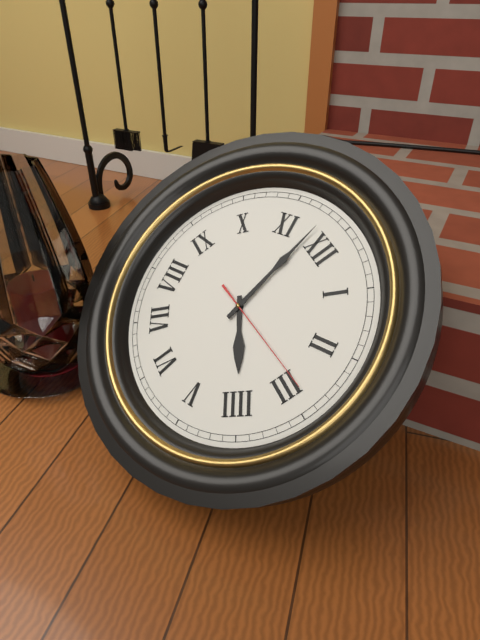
{"hour": 3, "minute": 58, "second": 14}
